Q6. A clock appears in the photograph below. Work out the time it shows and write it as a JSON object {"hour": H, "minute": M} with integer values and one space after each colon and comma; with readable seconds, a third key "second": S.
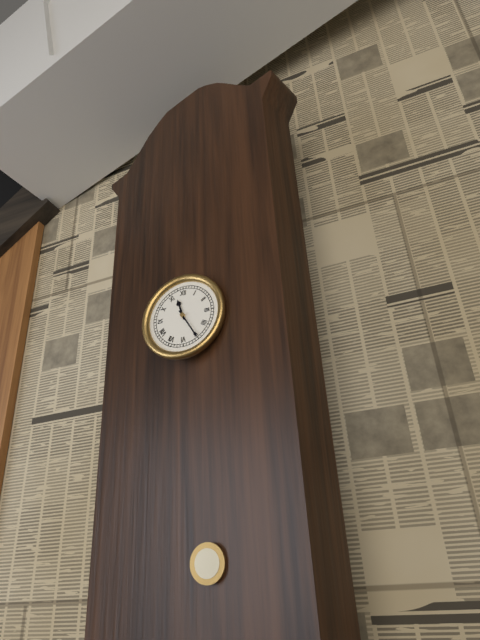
{"hour": 11, "minute": 25}
